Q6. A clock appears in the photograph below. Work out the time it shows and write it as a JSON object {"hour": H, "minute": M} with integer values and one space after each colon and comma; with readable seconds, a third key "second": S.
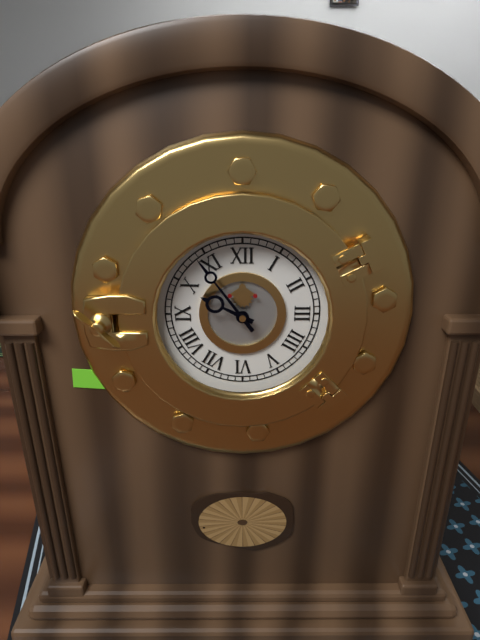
{"hour": 9, "minute": 54}
